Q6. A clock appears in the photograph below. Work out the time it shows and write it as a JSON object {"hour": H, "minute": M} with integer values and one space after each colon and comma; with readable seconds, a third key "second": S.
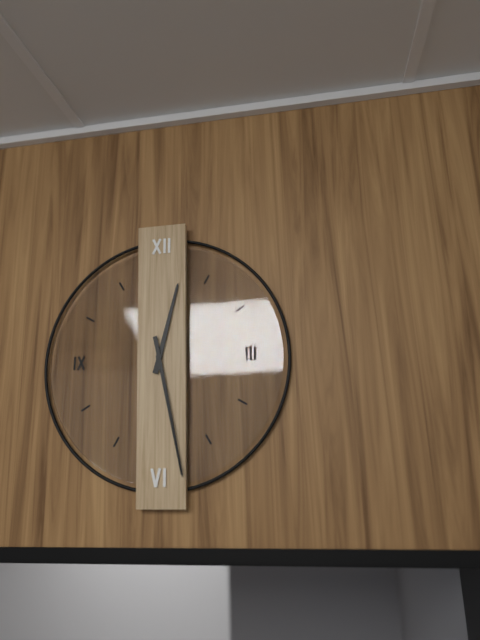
{"hour": 12, "minute": 28}
